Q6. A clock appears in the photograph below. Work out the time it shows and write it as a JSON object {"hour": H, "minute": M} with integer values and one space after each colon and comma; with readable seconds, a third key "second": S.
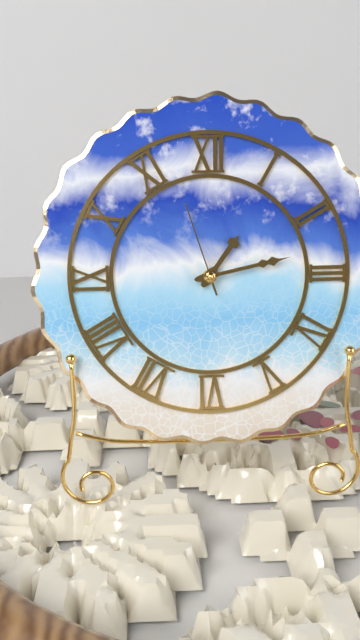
{"hour": 1, "minute": 13, "second": 57}
